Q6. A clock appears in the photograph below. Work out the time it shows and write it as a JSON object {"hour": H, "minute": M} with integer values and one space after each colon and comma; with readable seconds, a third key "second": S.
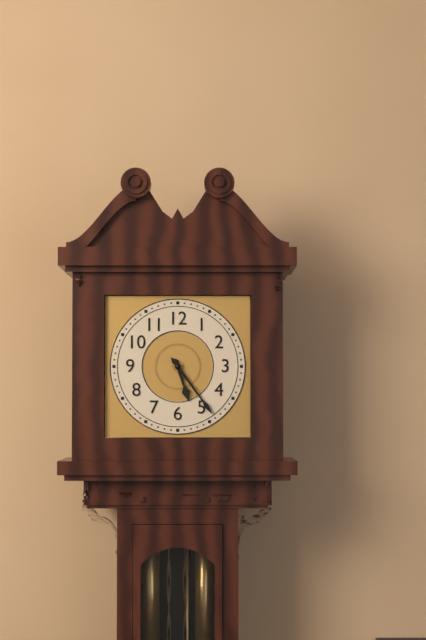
{"hour": 5, "minute": 24}
